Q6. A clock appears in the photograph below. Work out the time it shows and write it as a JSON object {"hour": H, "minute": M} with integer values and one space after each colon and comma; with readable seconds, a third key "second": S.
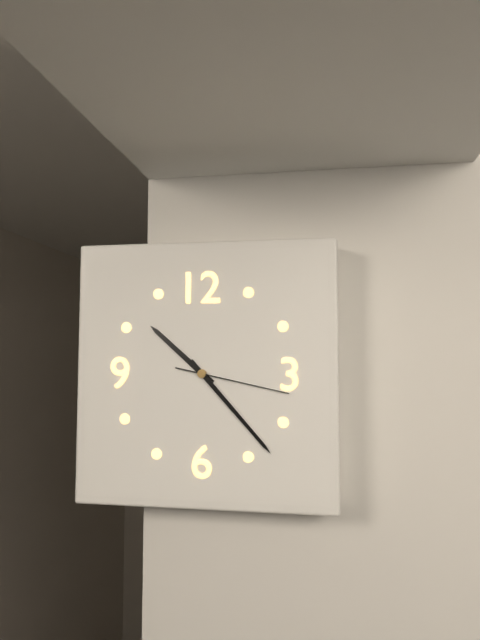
{"hour": 10, "minute": 23, "second": 17}
